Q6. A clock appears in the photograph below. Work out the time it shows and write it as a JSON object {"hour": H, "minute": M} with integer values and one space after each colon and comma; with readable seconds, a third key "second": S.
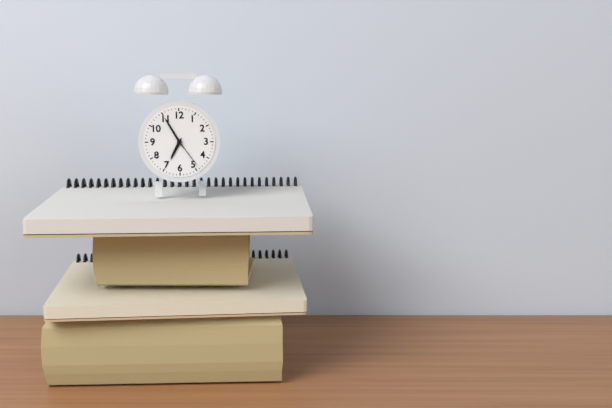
{"hour": 6, "minute": 55}
